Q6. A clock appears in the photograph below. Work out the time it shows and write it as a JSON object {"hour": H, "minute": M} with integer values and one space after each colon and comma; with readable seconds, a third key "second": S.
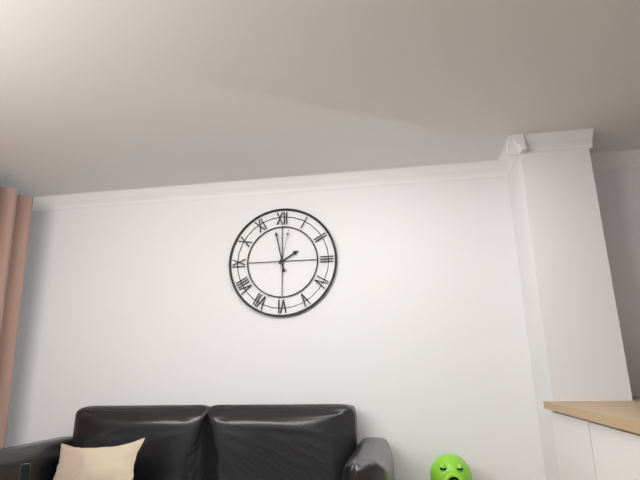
{"hour": 1, "minute": 58}
